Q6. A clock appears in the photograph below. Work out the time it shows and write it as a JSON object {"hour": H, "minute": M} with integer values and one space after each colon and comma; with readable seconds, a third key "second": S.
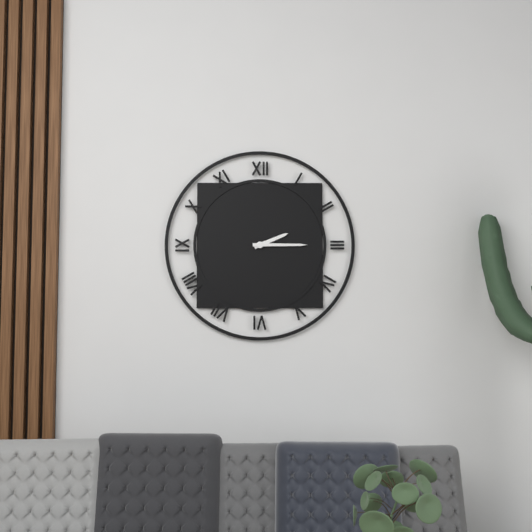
{"hour": 2, "minute": 15}
